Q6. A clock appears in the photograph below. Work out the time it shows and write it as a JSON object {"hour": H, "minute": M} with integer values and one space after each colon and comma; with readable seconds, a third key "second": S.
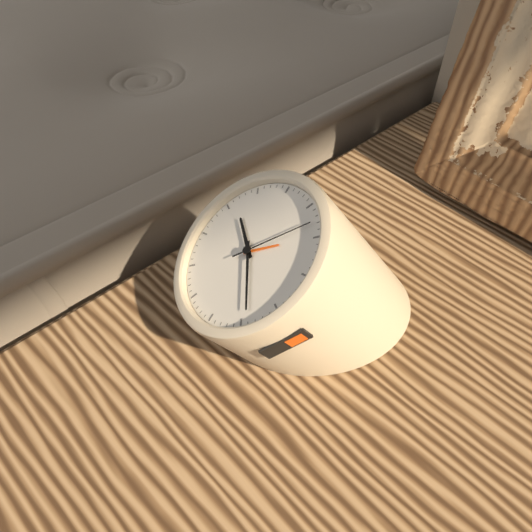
{"hour": 9, "minute": 19, "second": 3}
